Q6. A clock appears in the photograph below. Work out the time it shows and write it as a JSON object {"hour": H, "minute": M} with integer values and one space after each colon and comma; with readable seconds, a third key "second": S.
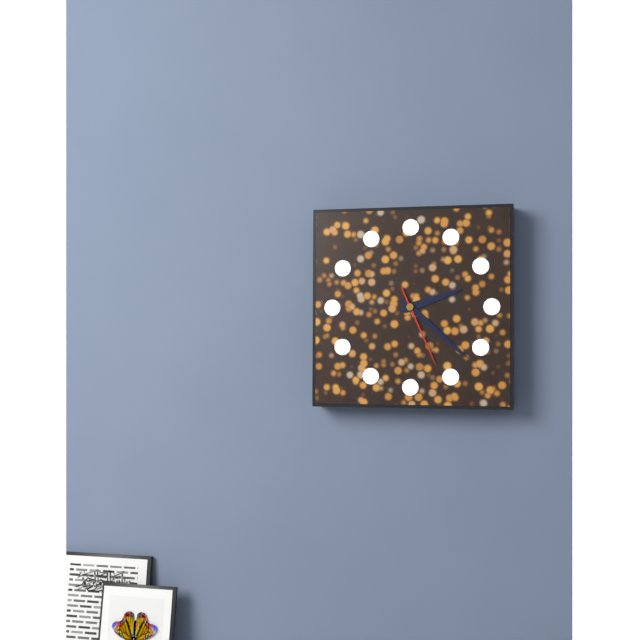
{"hour": 2, "minute": 22, "second": 26}
